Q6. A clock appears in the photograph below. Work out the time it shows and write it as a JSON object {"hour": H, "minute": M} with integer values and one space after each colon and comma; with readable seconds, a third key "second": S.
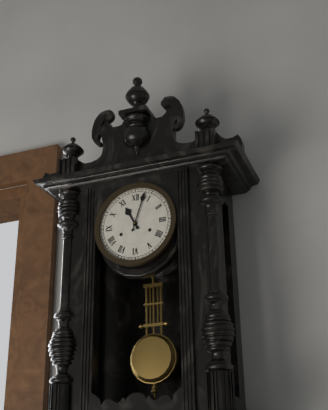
{"hour": 11, "minute": 3}
